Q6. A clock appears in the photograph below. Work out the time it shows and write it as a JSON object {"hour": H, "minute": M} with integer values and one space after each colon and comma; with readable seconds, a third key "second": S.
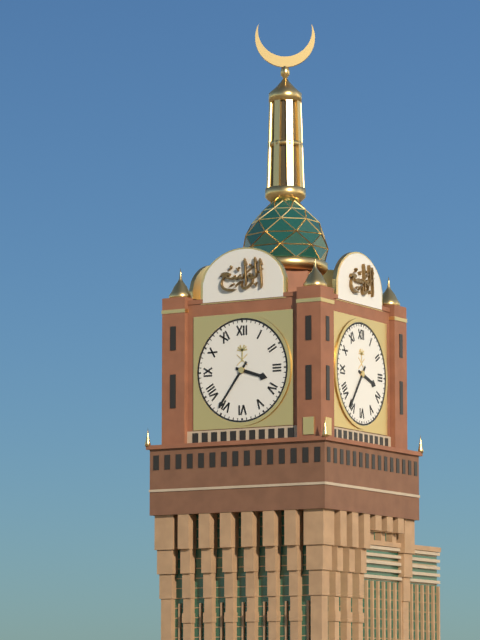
{"hour": 3, "minute": 36}
